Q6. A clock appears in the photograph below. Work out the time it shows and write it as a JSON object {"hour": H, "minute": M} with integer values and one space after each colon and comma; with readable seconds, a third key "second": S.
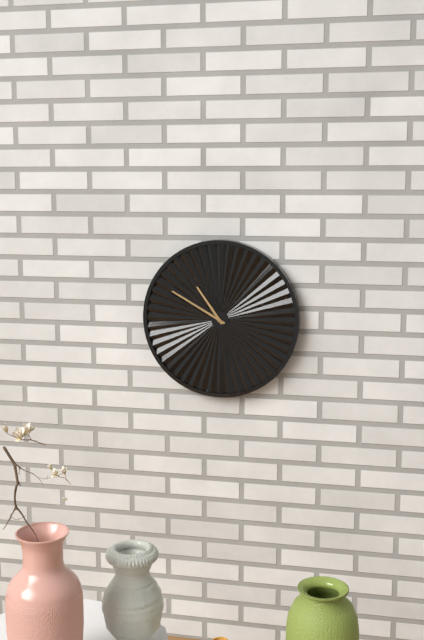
{"hour": 10, "minute": 50}
